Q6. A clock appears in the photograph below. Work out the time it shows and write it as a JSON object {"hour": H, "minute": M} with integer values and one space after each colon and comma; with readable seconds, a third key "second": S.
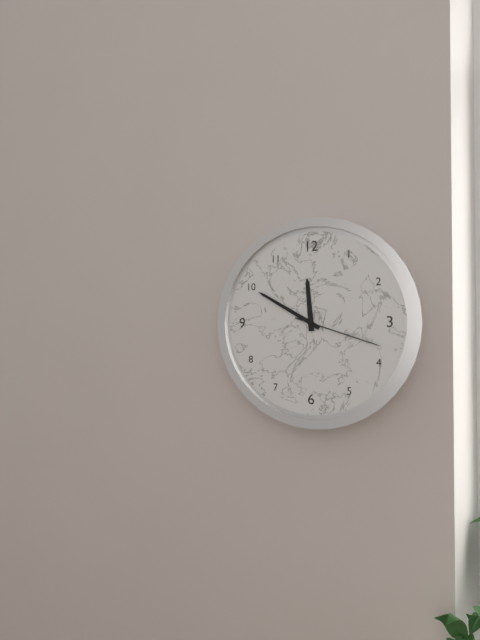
{"hour": 11, "minute": 50, "second": 18}
